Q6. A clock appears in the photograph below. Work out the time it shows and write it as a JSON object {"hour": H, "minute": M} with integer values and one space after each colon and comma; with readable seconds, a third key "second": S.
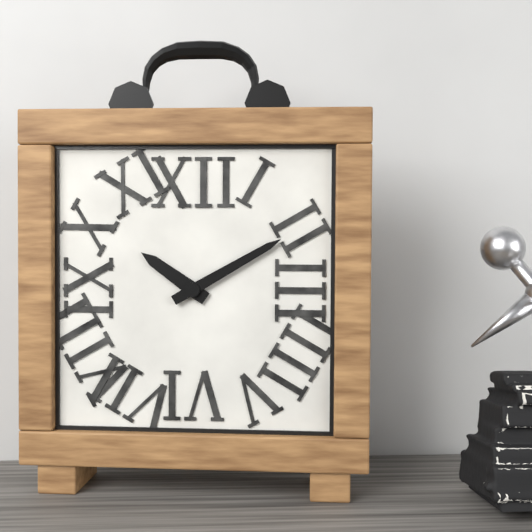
{"hour": 10, "minute": 10}
